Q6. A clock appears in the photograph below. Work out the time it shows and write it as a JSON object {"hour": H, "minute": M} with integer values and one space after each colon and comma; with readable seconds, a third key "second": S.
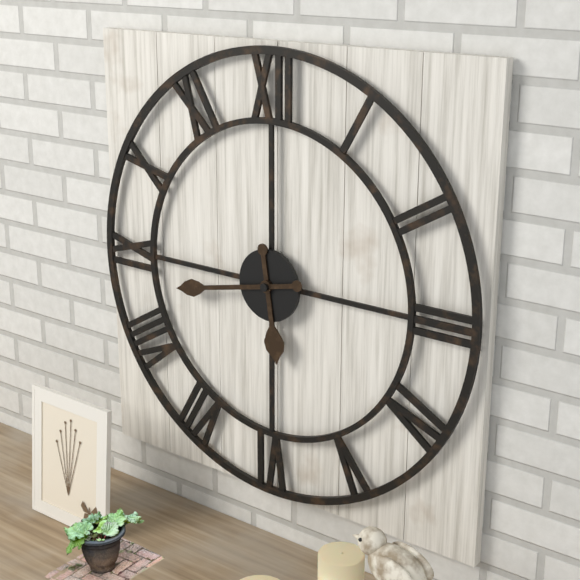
{"hour": 5, "minute": 43}
